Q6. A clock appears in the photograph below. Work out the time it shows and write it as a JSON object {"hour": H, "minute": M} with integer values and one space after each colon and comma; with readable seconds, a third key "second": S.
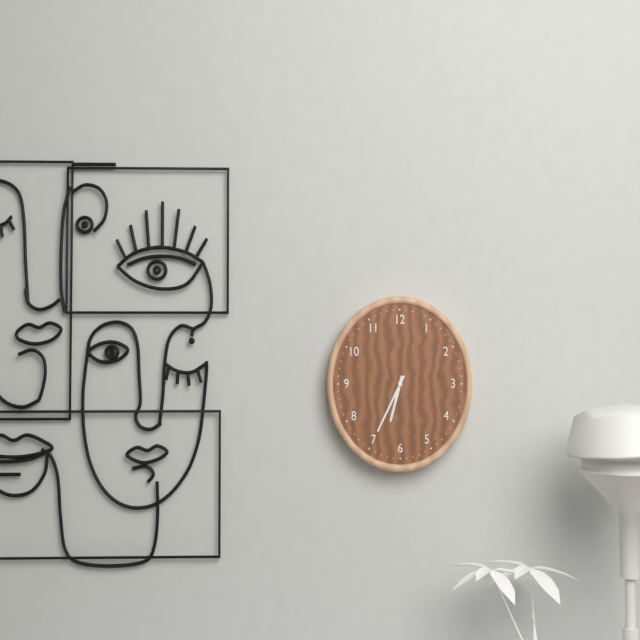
{"hour": 6, "minute": 35}
